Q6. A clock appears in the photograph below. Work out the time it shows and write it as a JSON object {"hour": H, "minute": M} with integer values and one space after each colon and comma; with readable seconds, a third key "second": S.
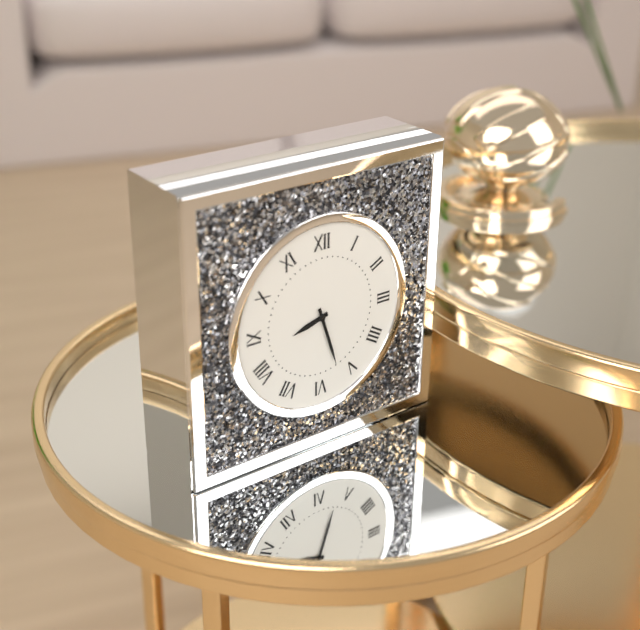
{"hour": 8, "minute": 27}
